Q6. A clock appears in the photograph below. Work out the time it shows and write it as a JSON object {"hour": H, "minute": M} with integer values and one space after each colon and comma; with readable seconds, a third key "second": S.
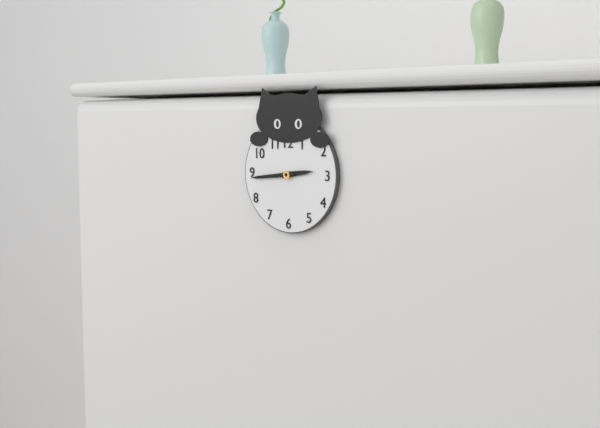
{"hour": 2, "minute": 44}
